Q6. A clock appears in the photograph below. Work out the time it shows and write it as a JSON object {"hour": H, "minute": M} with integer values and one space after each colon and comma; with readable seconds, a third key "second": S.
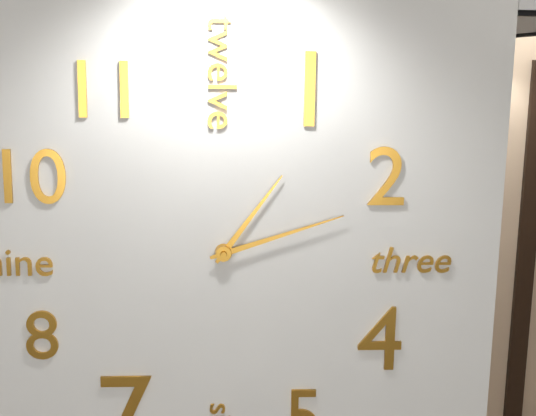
{"hour": 1, "minute": 12}
